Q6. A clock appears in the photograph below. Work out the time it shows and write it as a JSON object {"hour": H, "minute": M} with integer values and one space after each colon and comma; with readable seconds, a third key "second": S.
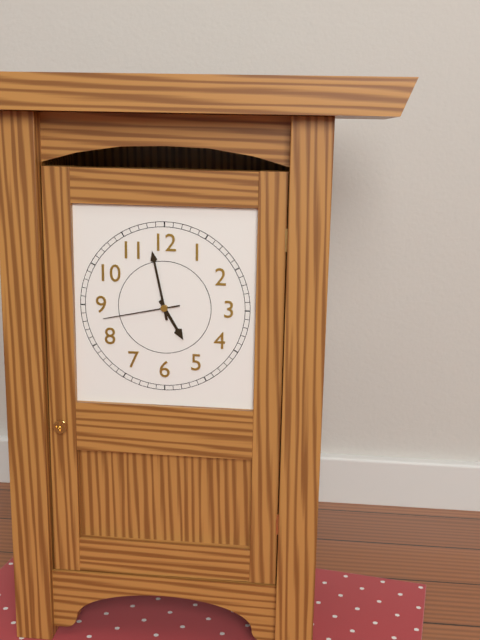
{"hour": 4, "minute": 58, "second": 43}
